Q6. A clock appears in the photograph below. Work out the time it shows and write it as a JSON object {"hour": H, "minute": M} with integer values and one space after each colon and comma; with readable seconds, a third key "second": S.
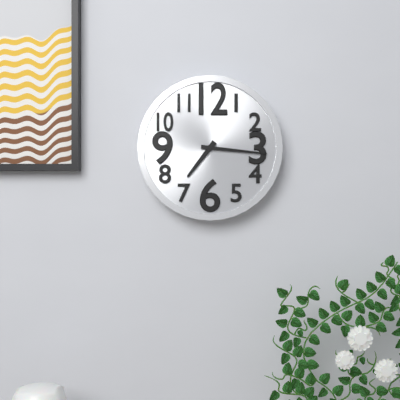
{"hour": 7, "minute": 16}
